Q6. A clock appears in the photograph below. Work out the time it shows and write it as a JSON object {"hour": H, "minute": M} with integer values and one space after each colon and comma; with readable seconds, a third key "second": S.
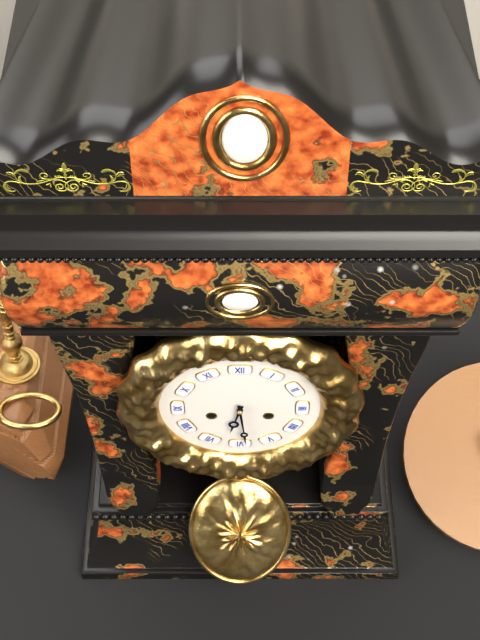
{"hour": 6, "minute": 29}
